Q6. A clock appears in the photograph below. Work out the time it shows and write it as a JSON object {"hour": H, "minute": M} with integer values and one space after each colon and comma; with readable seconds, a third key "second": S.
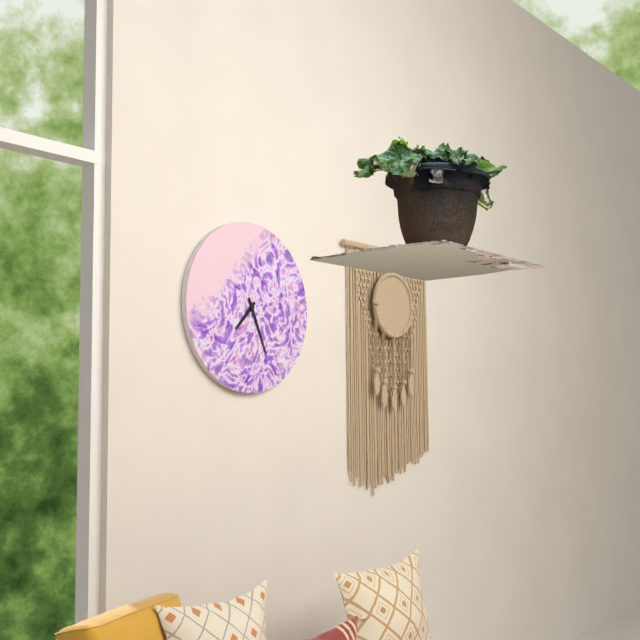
{"hour": 7, "minute": 26}
